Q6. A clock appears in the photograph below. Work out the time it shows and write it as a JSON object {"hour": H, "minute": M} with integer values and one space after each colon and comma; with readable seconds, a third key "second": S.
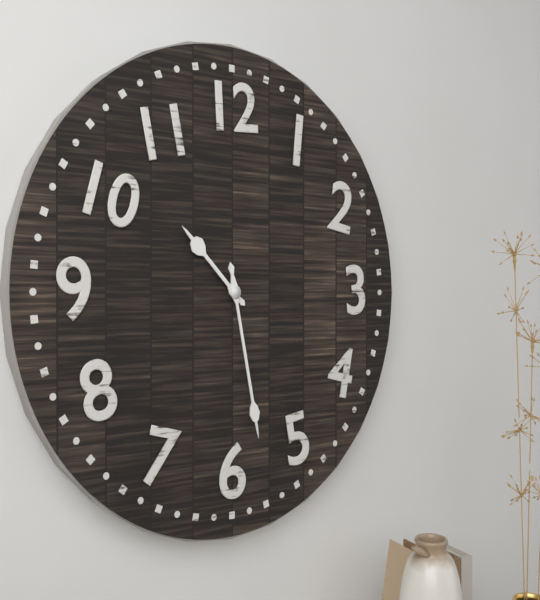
{"hour": 10, "minute": 28}
